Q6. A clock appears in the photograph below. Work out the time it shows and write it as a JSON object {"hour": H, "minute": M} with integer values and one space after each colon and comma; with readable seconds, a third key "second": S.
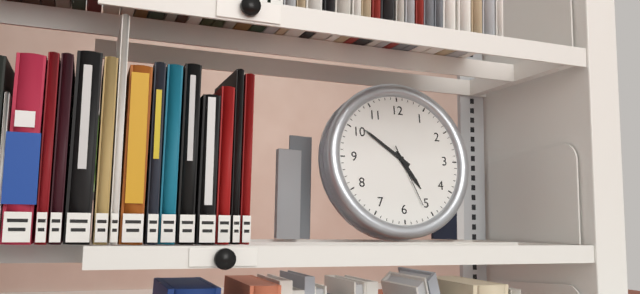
{"hour": 4, "minute": 51, "second": 26}
